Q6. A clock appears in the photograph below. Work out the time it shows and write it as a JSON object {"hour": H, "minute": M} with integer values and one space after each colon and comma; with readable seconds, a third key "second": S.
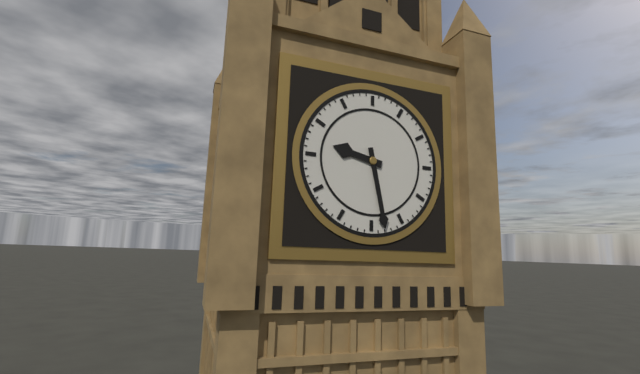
{"hour": 9, "minute": 28}
